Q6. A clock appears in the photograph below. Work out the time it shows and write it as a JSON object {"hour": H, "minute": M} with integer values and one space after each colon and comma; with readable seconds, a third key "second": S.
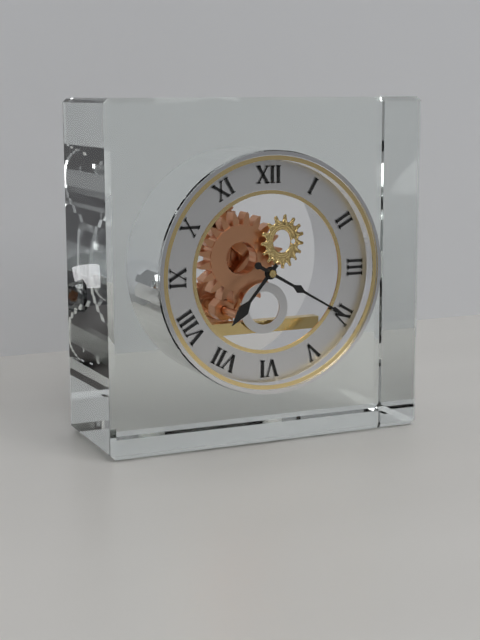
{"hour": 7, "minute": 20}
